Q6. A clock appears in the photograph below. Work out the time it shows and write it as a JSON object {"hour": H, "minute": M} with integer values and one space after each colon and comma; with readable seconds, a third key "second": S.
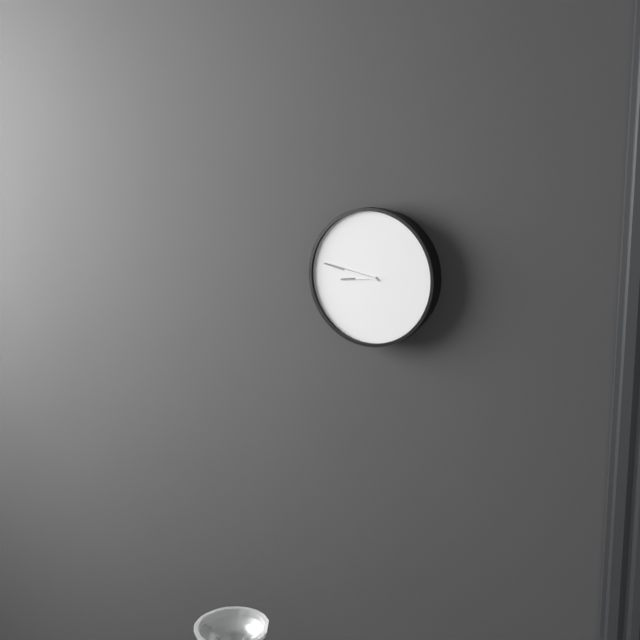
{"hour": 8, "minute": 47}
